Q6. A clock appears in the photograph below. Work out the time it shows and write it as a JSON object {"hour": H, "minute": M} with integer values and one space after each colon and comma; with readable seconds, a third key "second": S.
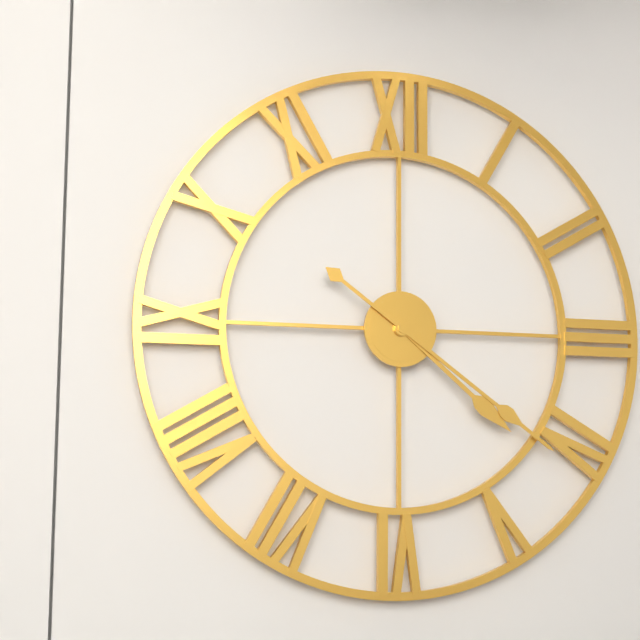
{"hour": 4, "minute": 21}
